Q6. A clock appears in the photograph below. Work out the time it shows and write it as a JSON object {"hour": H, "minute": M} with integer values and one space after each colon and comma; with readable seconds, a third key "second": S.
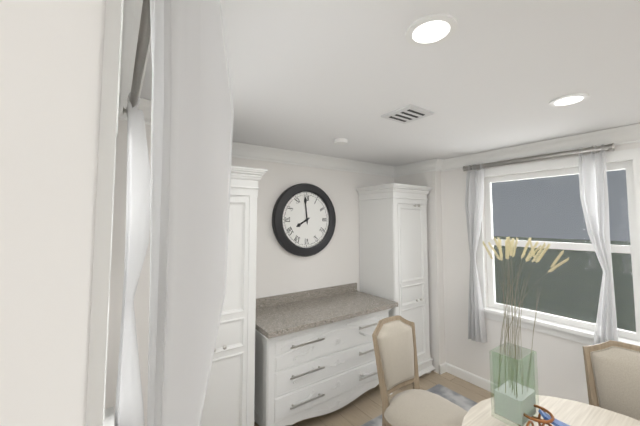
{"hour": 7, "minute": 59}
